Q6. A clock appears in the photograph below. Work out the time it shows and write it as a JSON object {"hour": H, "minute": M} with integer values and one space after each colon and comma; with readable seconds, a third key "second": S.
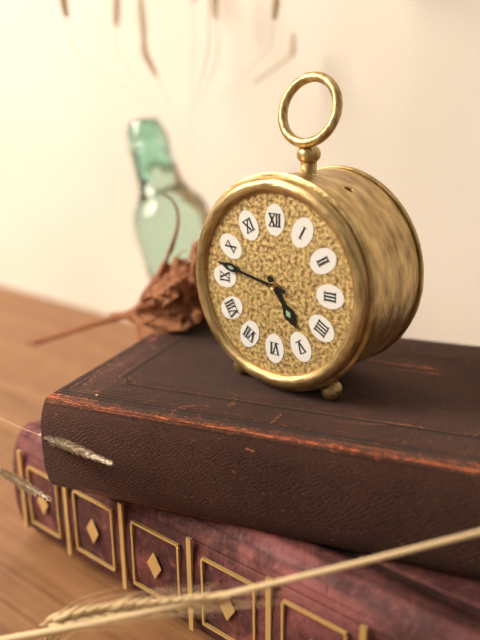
{"hour": 4, "minute": 47}
